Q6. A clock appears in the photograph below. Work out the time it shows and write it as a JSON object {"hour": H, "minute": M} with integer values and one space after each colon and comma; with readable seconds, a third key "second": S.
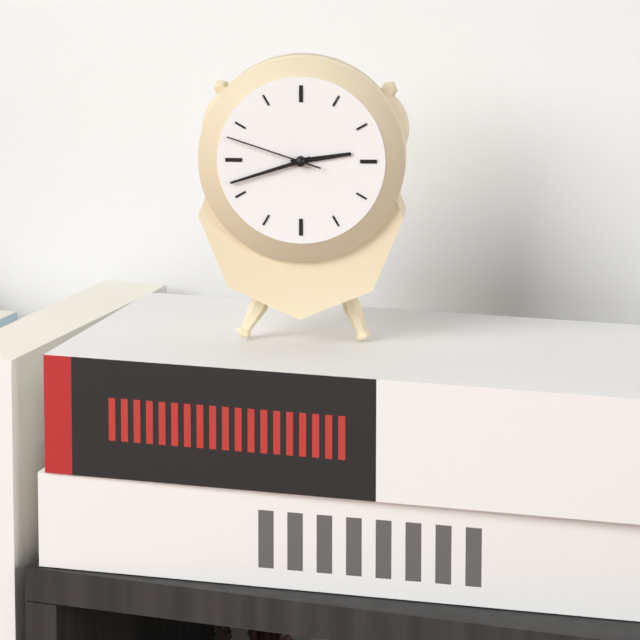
{"hour": 2, "minute": 42, "second": 48}
